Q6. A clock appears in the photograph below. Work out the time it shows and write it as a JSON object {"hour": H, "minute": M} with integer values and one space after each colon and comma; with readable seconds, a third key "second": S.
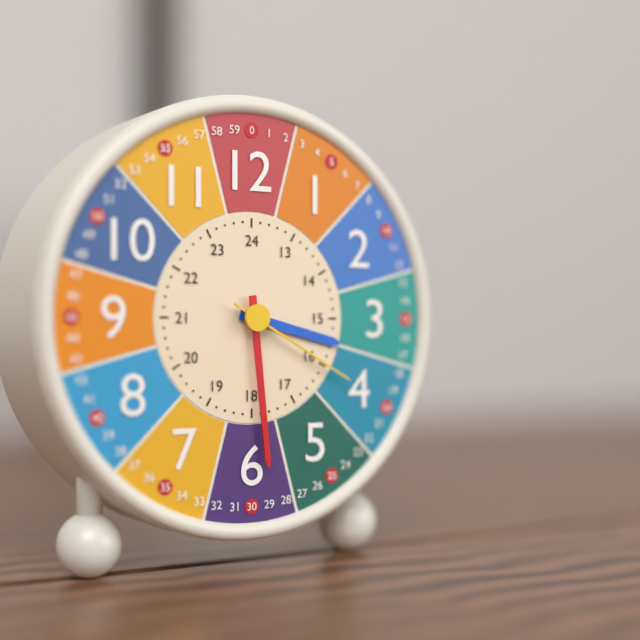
{"hour": 3, "minute": 29, "second": 20}
